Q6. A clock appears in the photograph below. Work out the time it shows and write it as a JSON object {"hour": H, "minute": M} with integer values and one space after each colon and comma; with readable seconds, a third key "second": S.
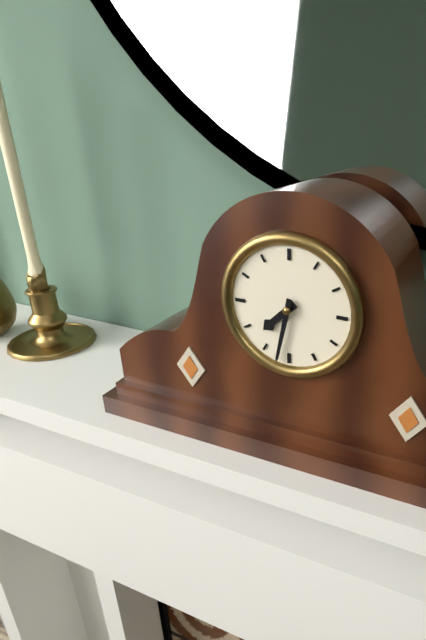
{"hour": 7, "minute": 32}
